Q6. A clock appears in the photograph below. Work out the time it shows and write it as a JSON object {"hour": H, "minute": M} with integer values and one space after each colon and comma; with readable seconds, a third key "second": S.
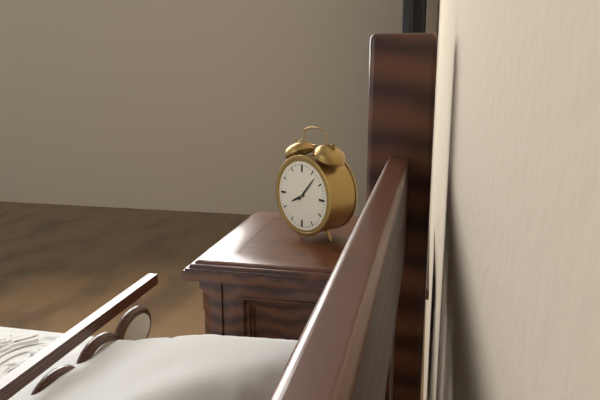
{"hour": 8, "minute": 7}
